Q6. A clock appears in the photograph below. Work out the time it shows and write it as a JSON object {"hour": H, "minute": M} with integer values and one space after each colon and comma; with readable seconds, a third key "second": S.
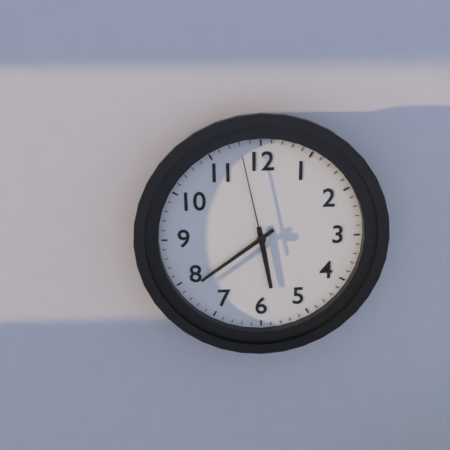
{"hour": 5, "minute": 39, "second": 58}
